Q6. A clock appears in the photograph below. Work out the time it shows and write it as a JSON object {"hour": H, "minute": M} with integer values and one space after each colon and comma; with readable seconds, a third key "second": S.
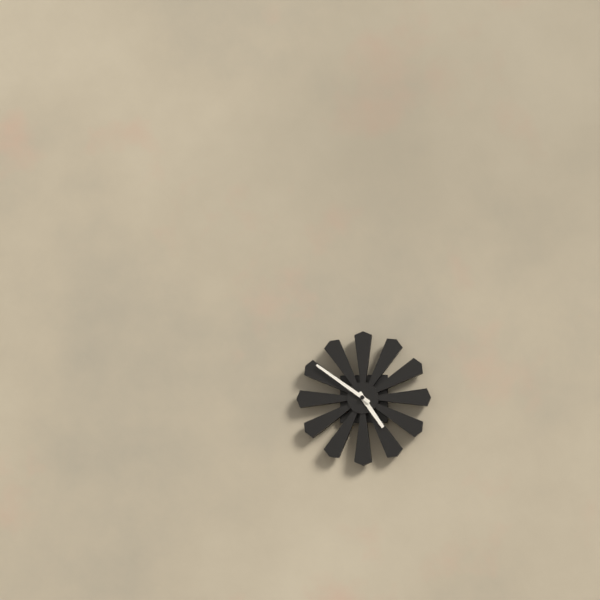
{"hour": 4, "minute": 51}
